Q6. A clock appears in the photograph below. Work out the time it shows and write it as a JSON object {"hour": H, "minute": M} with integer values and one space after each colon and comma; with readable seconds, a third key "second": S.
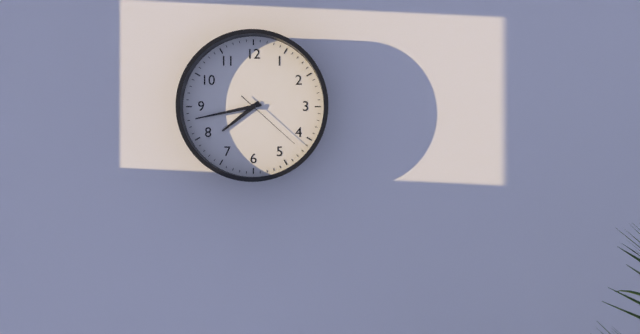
{"hour": 7, "minute": 43, "second": 22}
